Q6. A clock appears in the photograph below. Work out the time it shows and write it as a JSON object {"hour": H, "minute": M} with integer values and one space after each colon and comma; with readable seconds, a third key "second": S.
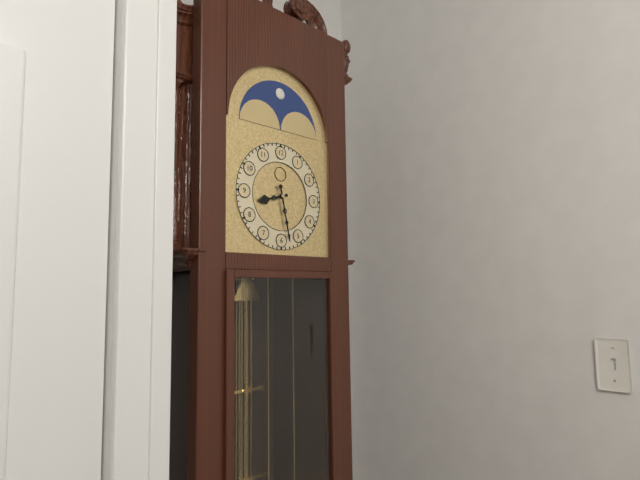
{"hour": 8, "minute": 28}
